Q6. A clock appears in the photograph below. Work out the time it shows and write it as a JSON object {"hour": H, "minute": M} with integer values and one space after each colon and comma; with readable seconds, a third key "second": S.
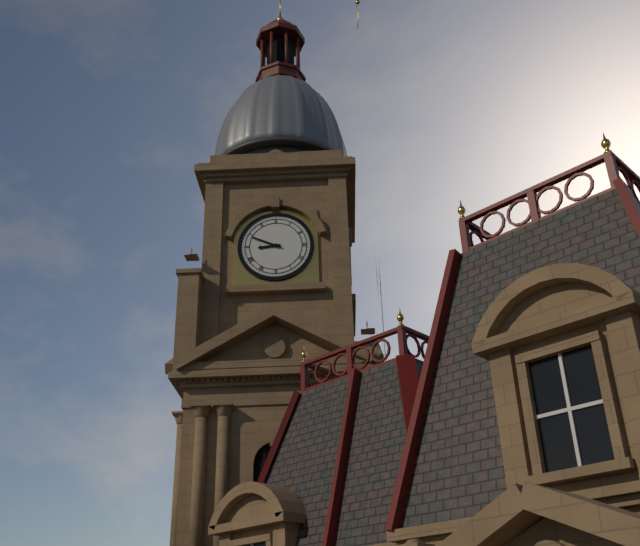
{"hour": 8, "minute": 49}
